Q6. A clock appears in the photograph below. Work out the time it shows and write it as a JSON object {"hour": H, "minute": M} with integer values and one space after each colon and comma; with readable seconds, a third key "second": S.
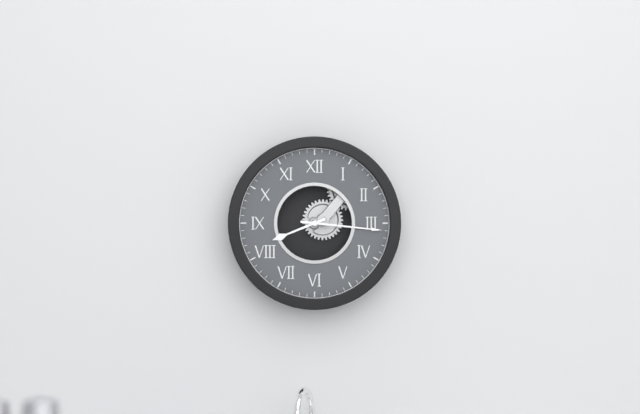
{"hour": 8, "minute": 16}
